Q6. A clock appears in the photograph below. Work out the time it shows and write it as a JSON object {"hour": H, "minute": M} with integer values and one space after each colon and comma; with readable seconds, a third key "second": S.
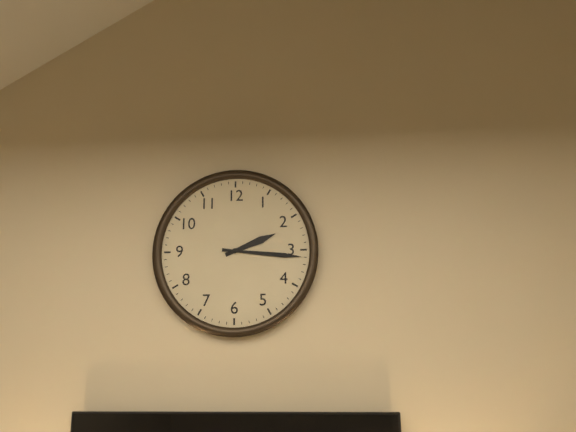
{"hour": 2, "minute": 16}
